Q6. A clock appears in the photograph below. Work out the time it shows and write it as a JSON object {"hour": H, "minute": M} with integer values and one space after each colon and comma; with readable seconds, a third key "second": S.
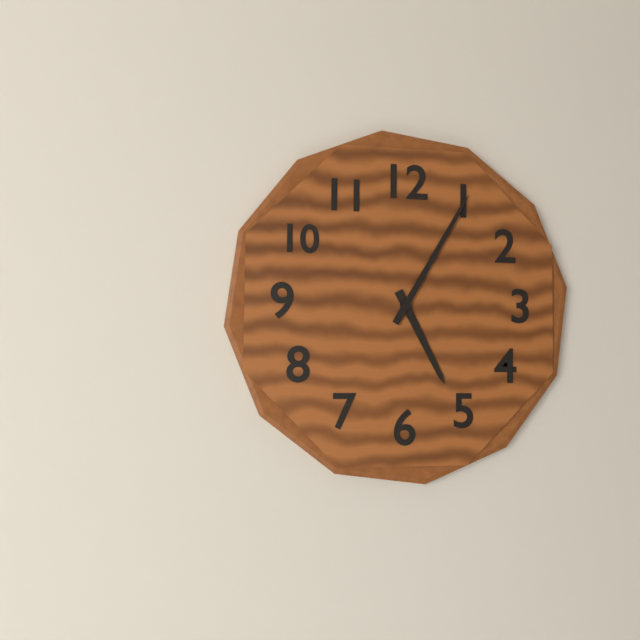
{"hour": 5, "minute": 5}
